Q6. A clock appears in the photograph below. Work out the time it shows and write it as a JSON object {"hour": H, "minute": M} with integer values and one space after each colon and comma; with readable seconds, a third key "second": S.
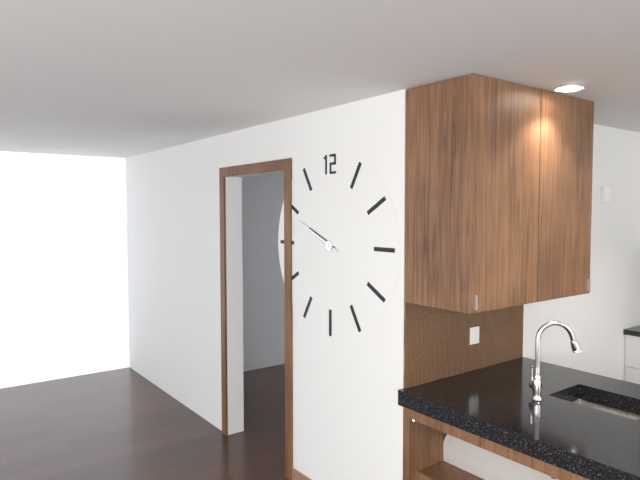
{"hour": 9, "minute": 49}
